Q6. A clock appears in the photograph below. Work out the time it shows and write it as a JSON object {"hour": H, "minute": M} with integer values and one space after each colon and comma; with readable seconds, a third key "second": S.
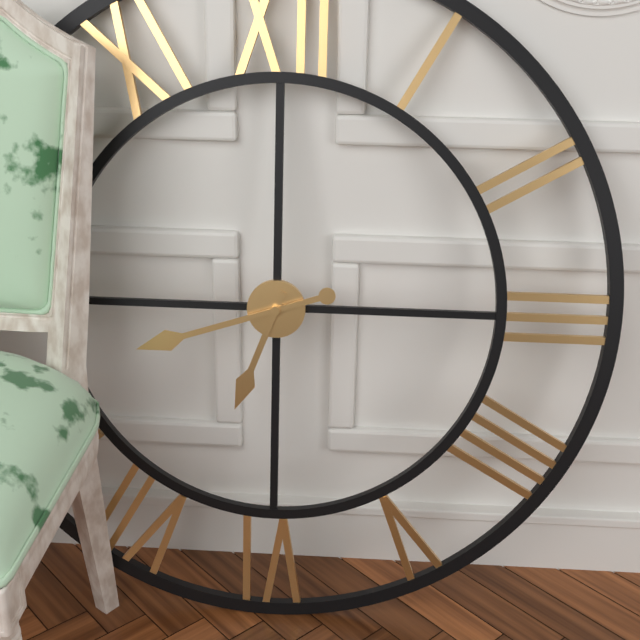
{"hour": 6, "minute": 42}
